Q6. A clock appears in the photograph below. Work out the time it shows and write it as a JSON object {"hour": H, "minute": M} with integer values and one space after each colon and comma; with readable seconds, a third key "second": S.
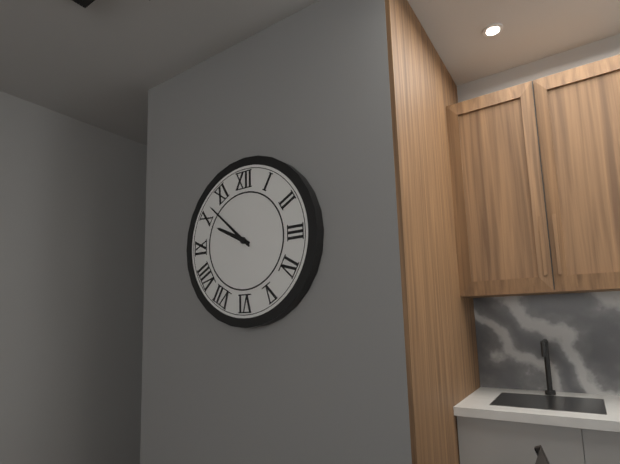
{"hour": 9, "minute": 52}
